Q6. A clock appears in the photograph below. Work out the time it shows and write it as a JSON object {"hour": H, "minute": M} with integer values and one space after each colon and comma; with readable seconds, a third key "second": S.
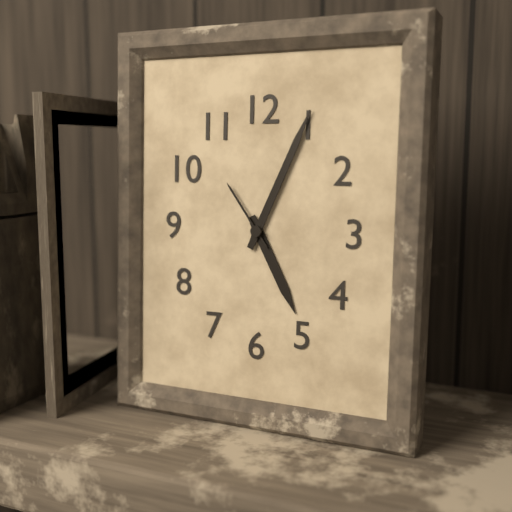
{"hour": 5, "minute": 4, "second": 54}
